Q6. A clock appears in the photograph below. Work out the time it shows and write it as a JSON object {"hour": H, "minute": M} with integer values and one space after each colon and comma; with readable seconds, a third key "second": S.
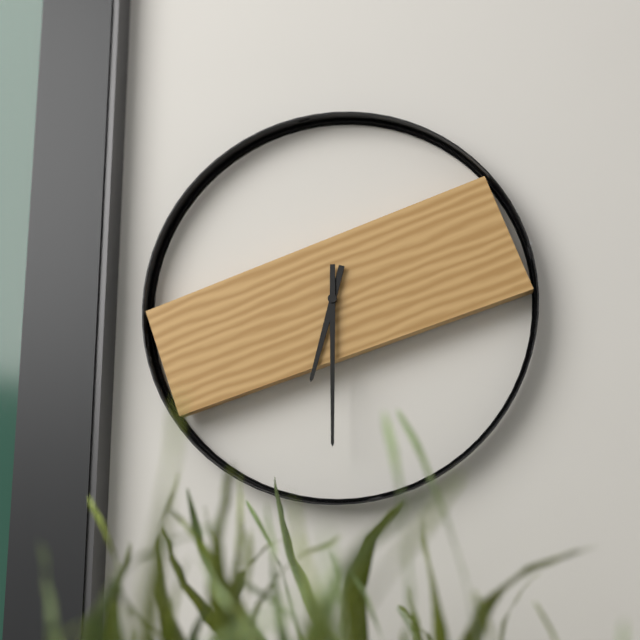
{"hour": 6, "minute": 30}
